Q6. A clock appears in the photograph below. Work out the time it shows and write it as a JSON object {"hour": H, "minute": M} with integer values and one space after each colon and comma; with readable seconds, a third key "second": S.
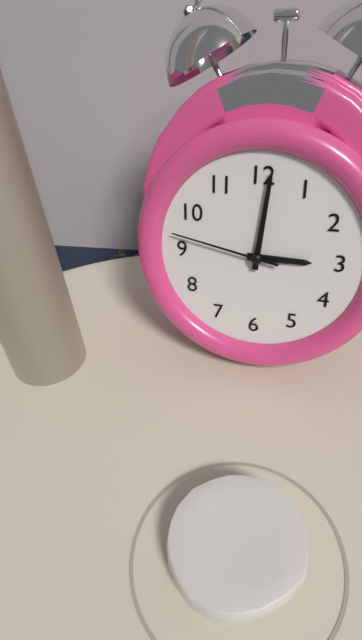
{"hour": 3, "minute": 1, "second": 47}
